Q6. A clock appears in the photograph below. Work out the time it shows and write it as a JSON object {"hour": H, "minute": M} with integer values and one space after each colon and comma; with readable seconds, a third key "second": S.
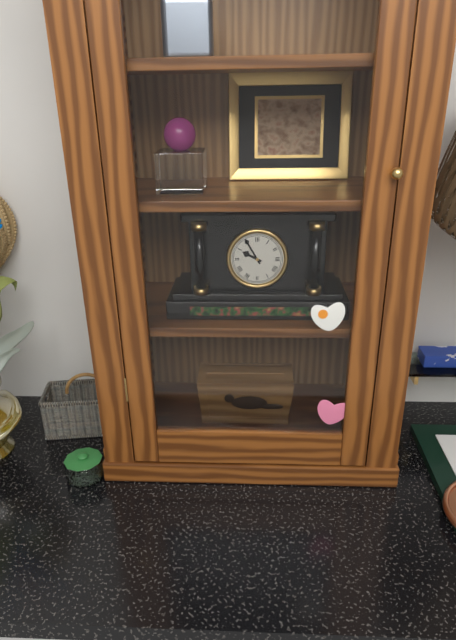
{"hour": 9, "minute": 55}
